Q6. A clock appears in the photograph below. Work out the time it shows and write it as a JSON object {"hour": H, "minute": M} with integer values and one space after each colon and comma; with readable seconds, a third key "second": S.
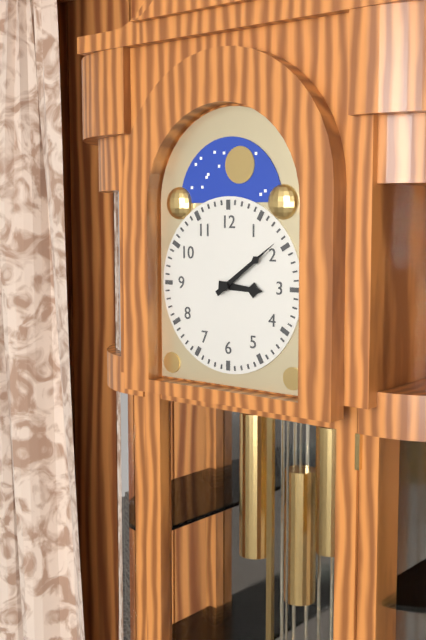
{"hour": 3, "minute": 9}
